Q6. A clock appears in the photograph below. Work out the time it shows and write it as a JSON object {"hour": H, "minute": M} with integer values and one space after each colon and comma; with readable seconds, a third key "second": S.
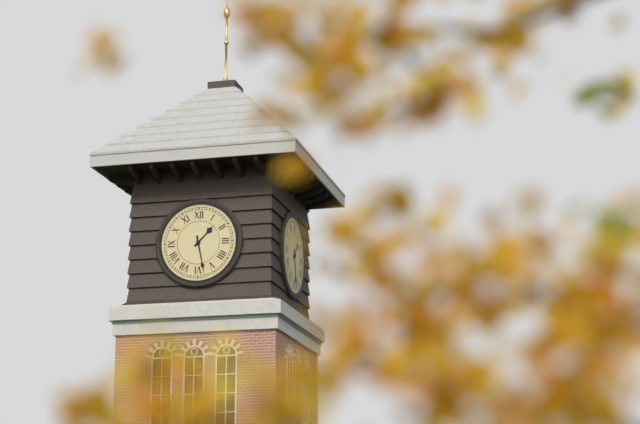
{"hour": 1, "minute": 28}
